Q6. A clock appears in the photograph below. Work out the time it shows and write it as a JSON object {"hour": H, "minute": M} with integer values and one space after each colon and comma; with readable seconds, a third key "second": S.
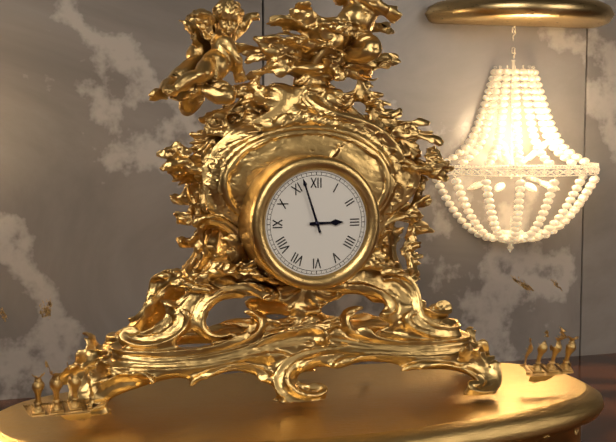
{"hour": 2, "minute": 57}
